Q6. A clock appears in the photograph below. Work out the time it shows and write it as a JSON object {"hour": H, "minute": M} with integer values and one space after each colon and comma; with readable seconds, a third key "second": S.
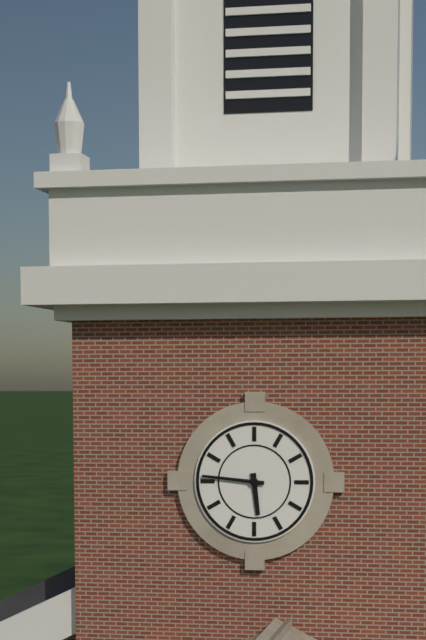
{"hour": 5, "minute": 46}
